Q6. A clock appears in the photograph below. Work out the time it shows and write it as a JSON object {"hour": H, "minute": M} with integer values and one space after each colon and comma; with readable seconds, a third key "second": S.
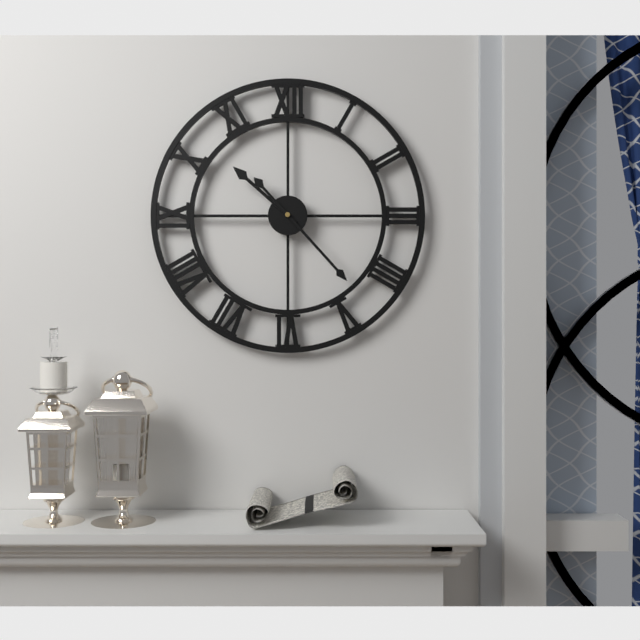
{"hour": 10, "minute": 23}
